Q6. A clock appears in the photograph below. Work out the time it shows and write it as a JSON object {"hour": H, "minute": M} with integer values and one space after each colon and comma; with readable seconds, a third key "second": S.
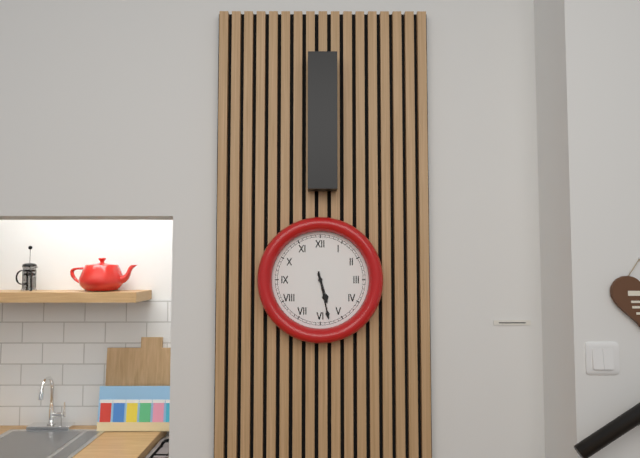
{"hour": 5, "minute": 28}
